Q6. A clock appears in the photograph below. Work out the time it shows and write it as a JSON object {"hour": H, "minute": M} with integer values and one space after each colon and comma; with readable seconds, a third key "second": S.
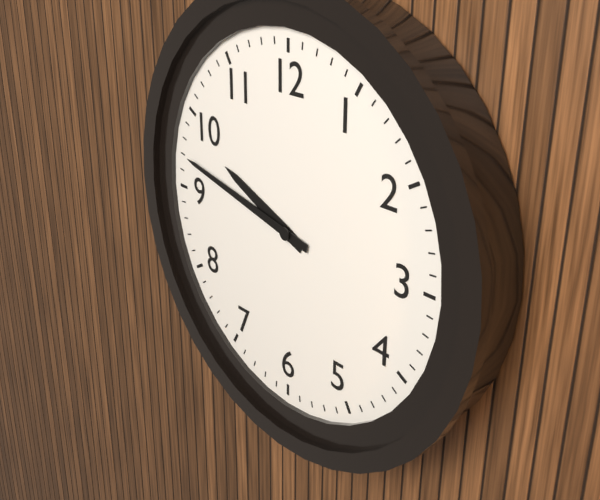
{"hour": 9, "minute": 47}
